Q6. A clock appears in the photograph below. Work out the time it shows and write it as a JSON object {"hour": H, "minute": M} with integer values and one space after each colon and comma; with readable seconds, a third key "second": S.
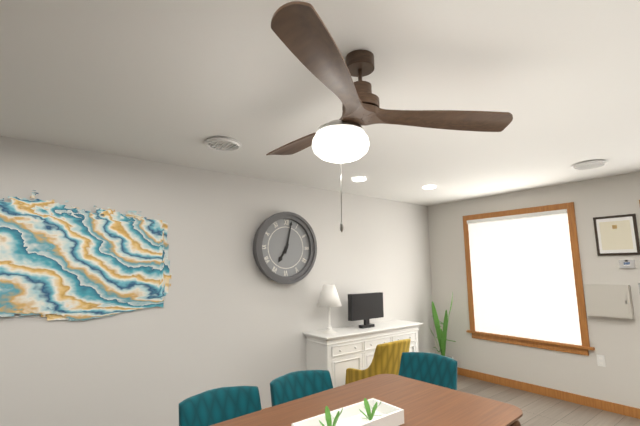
{"hour": 7, "minute": 2}
